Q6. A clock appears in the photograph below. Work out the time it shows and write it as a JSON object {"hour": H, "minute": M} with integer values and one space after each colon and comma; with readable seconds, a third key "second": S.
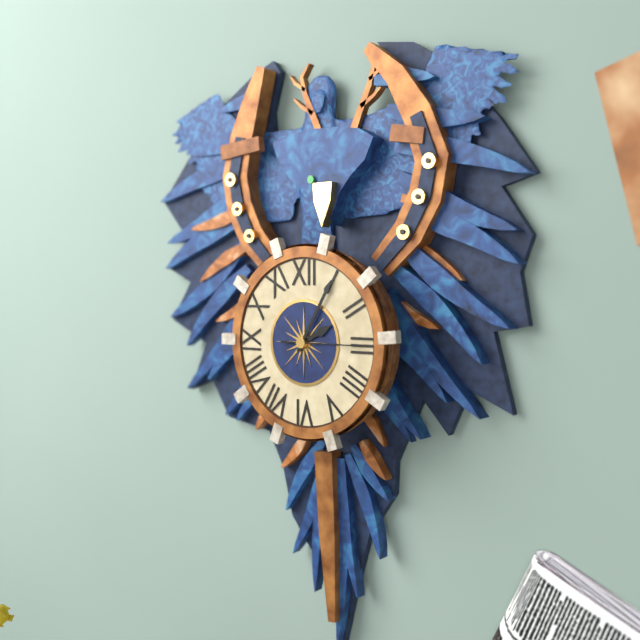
{"hour": 2, "minute": 5, "second": 15}
